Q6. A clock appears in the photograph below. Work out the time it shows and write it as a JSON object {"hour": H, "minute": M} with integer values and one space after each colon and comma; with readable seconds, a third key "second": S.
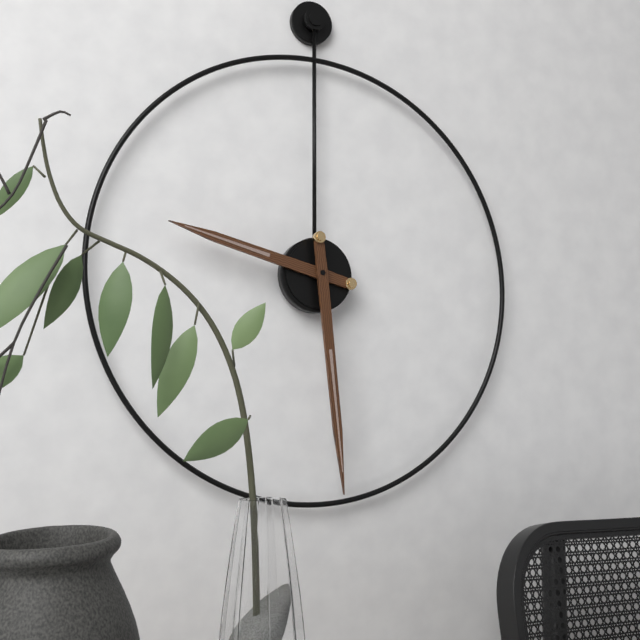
{"hour": 9, "minute": 29}
